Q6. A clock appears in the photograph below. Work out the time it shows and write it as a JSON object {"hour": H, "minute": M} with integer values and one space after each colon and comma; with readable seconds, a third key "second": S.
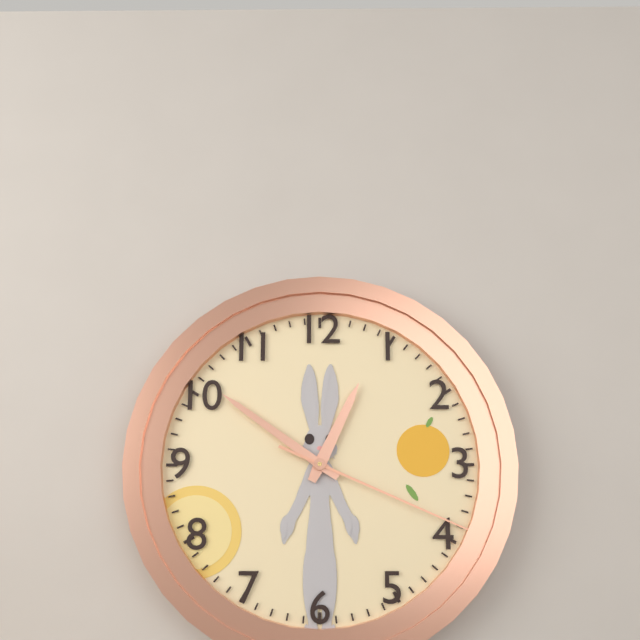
{"hour": 12, "minute": 51, "second": 19}
